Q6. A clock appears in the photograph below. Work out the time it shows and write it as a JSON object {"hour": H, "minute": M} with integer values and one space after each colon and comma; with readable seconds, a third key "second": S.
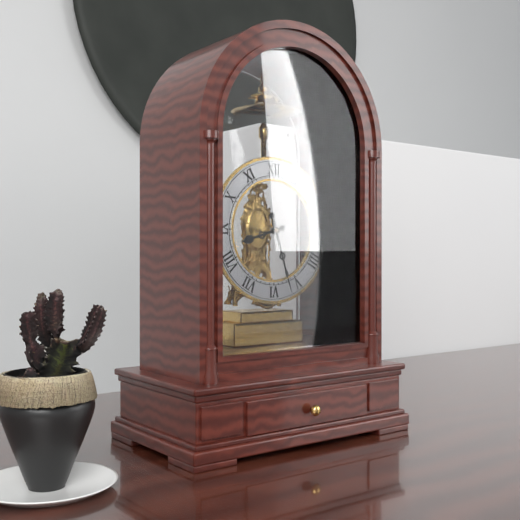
{"hour": 8, "minute": 27}
